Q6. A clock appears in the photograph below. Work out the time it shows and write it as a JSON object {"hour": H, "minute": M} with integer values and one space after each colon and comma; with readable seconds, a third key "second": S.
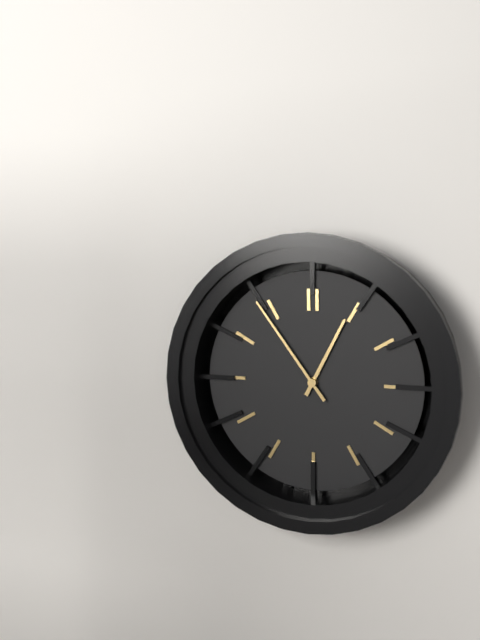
{"hour": 12, "minute": 54}
